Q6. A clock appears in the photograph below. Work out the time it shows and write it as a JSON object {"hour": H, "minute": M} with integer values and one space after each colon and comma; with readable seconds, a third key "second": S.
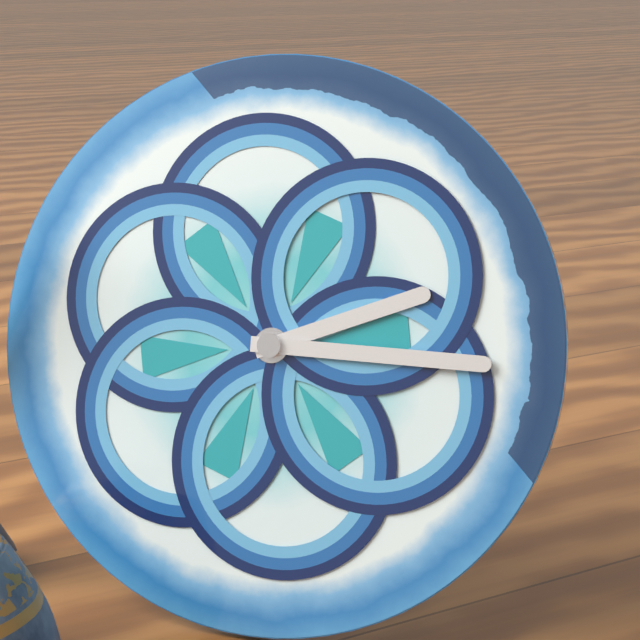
{"hour": 2, "minute": 15}
